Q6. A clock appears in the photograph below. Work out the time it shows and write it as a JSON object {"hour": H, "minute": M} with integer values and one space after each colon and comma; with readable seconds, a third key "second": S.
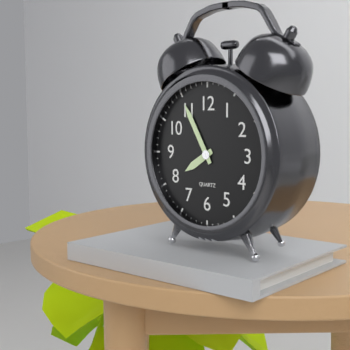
{"hour": 7, "minute": 55}
